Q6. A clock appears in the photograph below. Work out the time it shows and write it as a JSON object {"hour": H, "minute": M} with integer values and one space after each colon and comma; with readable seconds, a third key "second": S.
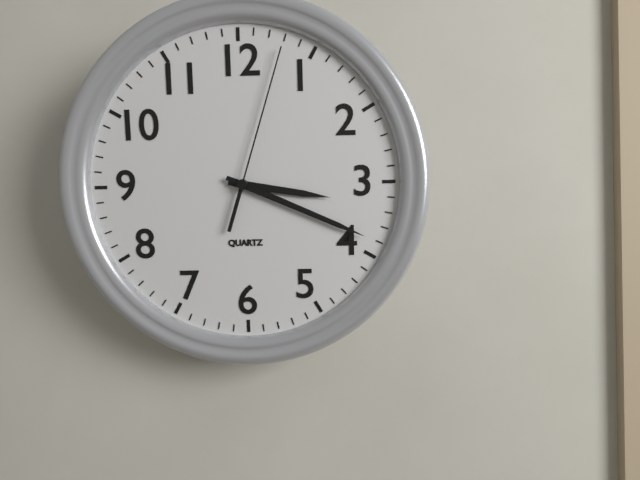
{"hour": 3, "minute": 19, "second": 3}
